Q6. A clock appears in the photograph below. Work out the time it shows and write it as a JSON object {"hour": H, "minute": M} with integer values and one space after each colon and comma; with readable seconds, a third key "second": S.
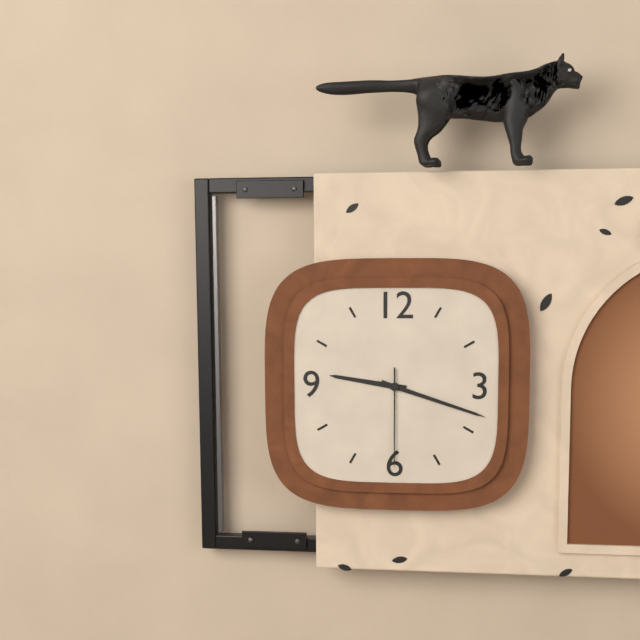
{"hour": 9, "minute": 18, "second": 30}
